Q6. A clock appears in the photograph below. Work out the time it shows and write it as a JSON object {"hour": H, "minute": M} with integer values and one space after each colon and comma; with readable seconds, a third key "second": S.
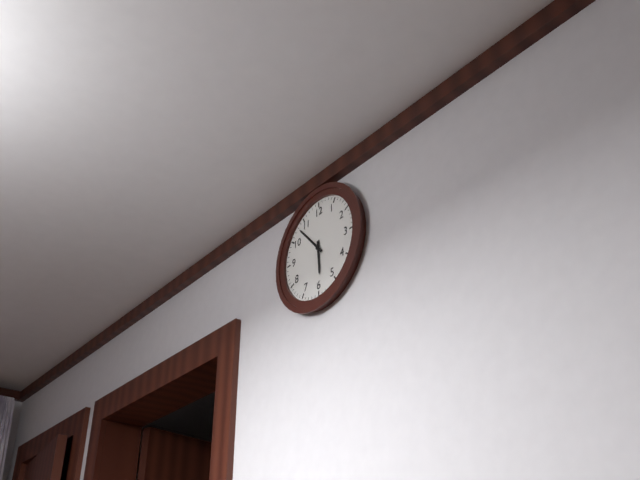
{"hour": 5, "minute": 53}
